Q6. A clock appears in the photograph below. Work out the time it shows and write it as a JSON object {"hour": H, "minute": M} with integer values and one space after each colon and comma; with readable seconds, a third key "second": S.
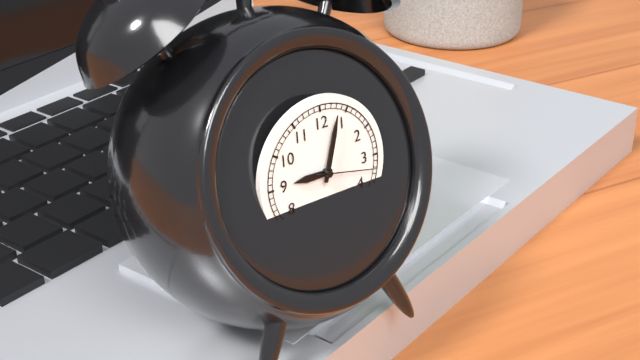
{"hour": 9, "minute": 3, "second": 17}
